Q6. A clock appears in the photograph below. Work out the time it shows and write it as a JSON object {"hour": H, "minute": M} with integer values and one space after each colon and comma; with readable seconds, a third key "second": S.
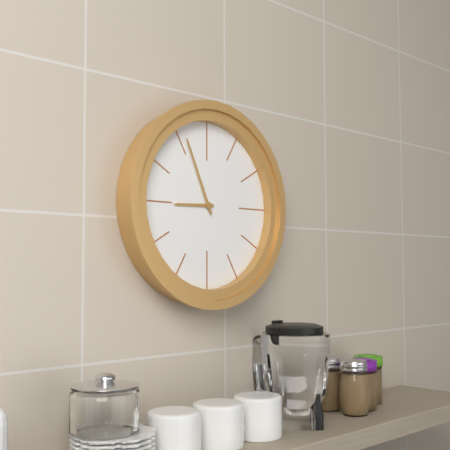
{"hour": 8, "minute": 56}
